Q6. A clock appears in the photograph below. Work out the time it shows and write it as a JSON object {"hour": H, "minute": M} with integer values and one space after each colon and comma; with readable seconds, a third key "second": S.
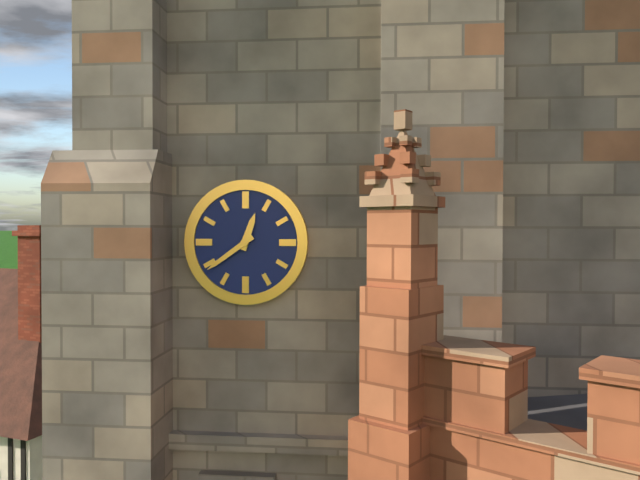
{"hour": 12, "minute": 39}
